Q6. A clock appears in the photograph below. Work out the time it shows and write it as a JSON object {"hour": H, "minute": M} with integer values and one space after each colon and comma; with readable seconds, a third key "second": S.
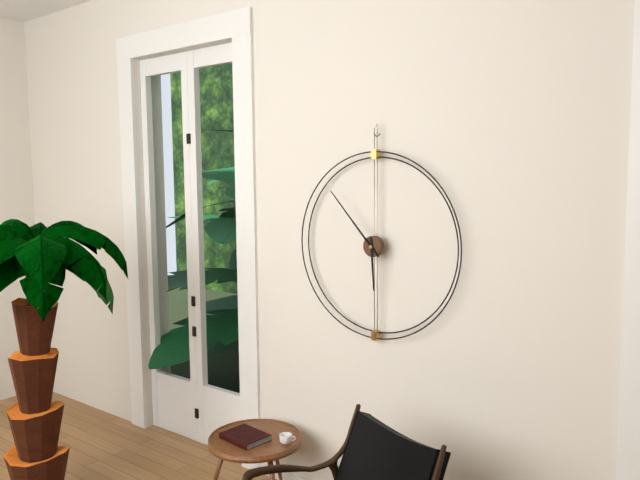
{"hour": 5, "minute": 53}
